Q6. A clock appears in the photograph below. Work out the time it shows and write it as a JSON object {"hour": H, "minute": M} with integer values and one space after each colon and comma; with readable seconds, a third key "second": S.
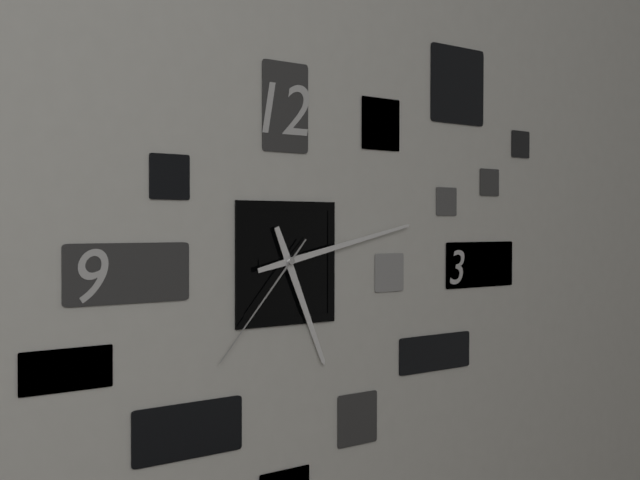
{"hour": 5, "minute": 13, "second": 37}
